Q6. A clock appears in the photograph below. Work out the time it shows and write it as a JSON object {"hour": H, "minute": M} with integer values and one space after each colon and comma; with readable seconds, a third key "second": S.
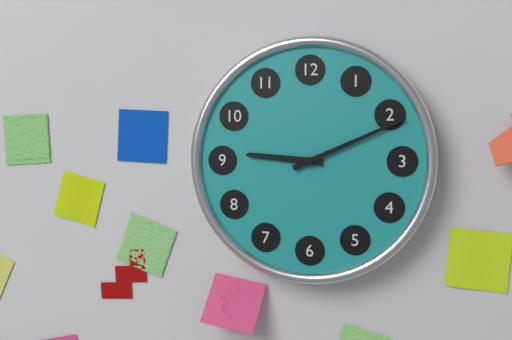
{"hour": 9, "minute": 11}
